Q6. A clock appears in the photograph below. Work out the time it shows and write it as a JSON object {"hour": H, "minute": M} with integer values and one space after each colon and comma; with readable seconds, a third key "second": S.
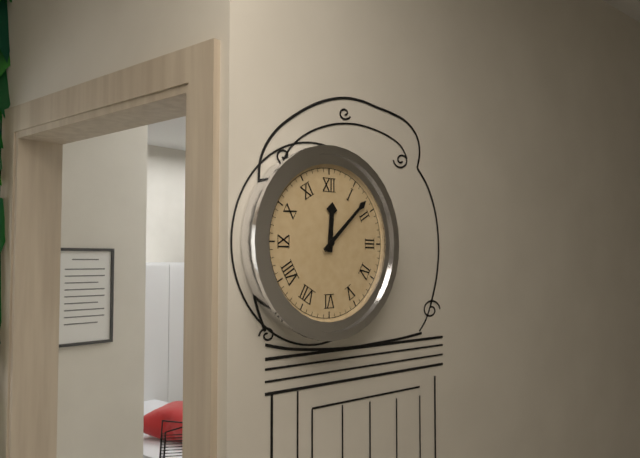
{"hour": 12, "minute": 8}
